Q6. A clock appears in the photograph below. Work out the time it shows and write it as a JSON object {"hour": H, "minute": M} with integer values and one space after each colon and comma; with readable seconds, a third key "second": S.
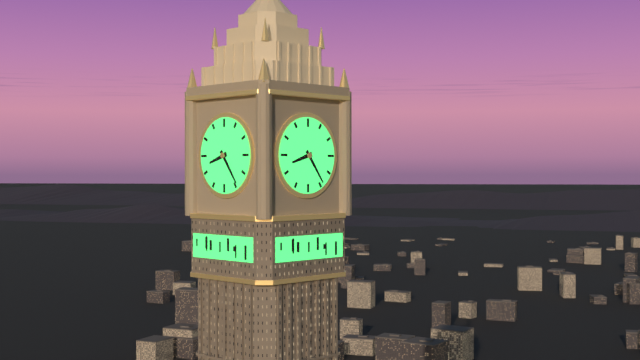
{"hour": 8, "minute": 24}
